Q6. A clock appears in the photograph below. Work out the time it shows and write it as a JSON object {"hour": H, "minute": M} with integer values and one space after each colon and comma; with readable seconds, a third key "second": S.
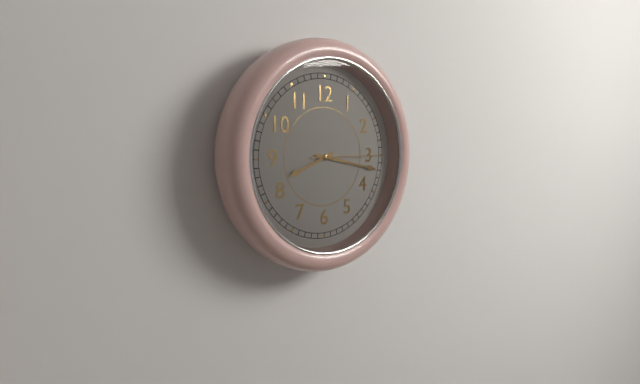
{"hour": 8, "minute": 17, "second": 15}
